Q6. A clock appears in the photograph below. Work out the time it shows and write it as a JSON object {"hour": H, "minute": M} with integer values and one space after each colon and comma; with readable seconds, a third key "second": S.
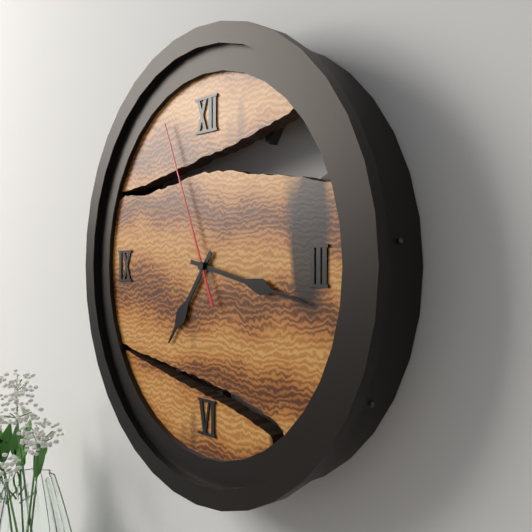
{"hour": 7, "minute": 17, "second": 56}
